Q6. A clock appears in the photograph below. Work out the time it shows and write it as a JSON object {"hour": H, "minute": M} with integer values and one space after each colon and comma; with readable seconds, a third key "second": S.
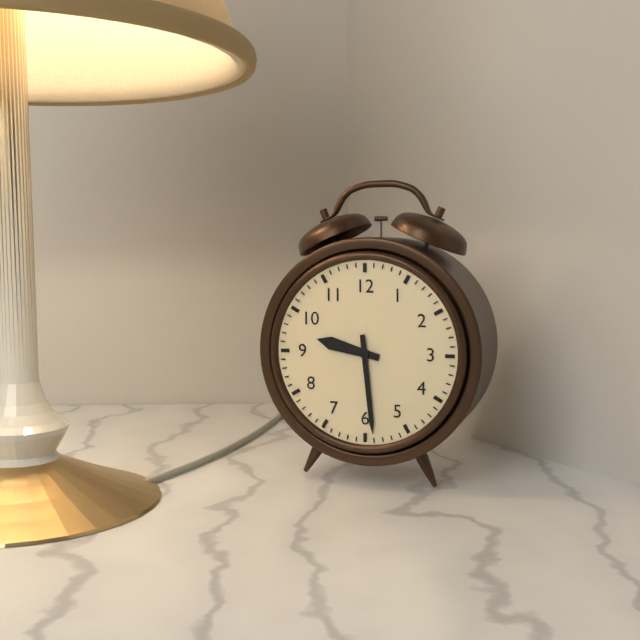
{"hour": 9, "minute": 29}
